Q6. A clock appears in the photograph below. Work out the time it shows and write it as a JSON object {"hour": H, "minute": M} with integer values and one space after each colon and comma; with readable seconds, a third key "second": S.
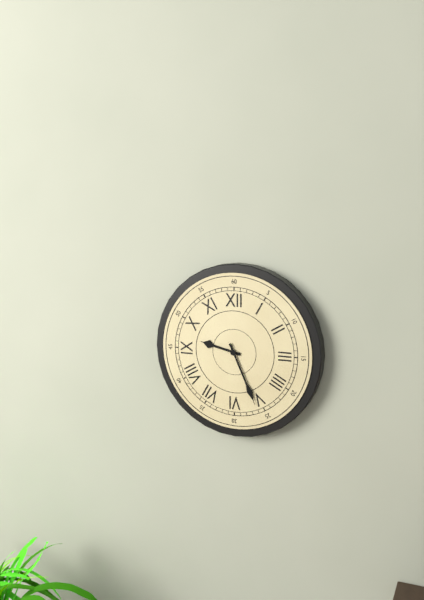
{"hour": 9, "minute": 26}
